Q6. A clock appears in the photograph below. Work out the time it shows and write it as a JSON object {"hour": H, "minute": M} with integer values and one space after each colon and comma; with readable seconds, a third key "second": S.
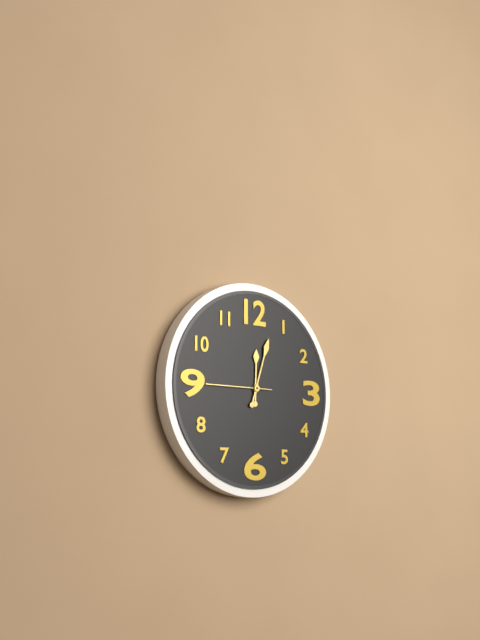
{"hour": 12, "minute": 3, "second": 45}
